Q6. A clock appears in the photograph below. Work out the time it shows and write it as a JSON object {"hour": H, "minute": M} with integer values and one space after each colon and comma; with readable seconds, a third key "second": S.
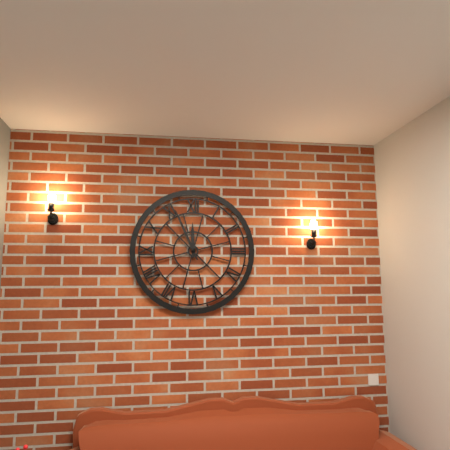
{"hour": 11, "minute": 56}
